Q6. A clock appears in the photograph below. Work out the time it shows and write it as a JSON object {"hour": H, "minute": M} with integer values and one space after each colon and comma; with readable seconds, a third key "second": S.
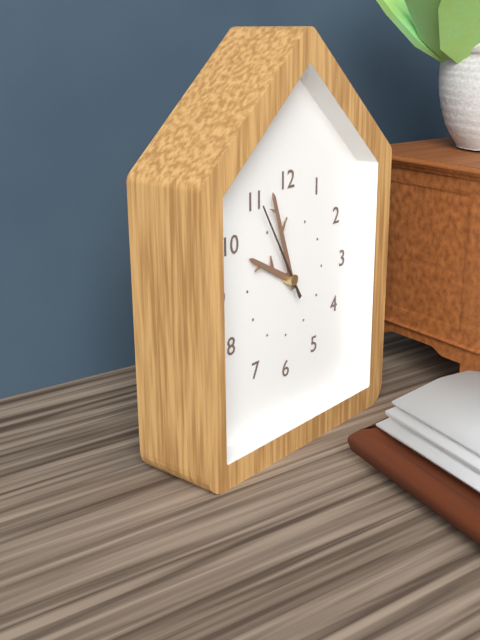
{"hour": 9, "minute": 57, "second": 55}
